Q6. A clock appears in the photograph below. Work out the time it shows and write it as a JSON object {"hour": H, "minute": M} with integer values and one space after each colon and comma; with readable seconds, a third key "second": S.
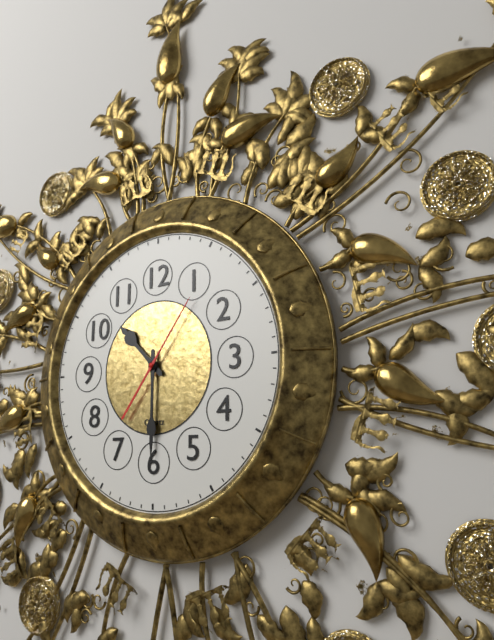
{"hour": 10, "minute": 30, "second": 6}
